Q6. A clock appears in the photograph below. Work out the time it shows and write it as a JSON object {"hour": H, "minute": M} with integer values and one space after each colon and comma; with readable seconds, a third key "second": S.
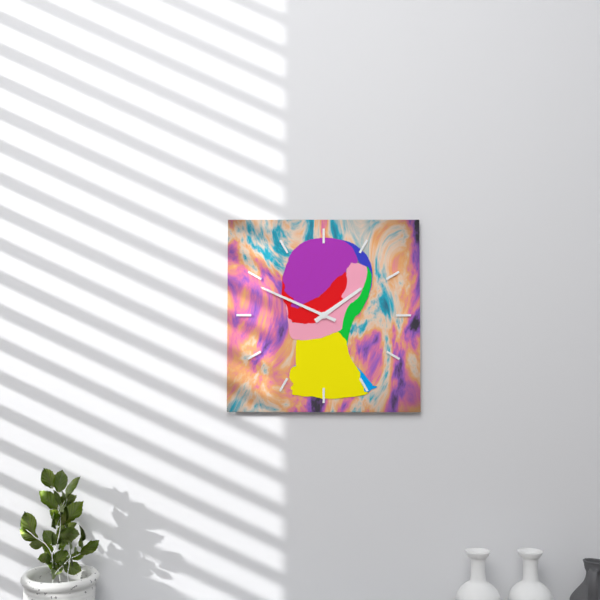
{"hour": 1, "minute": 49}
